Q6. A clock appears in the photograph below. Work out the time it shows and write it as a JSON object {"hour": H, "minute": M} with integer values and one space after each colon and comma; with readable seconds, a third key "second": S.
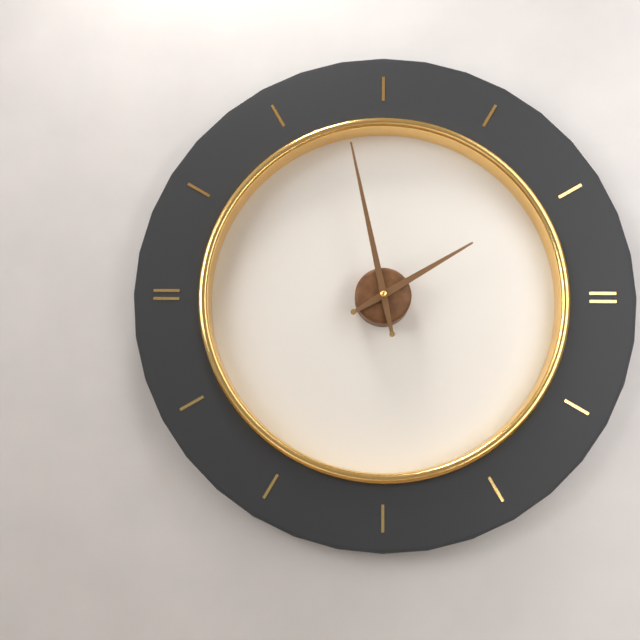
{"hour": 1, "minute": 58}
